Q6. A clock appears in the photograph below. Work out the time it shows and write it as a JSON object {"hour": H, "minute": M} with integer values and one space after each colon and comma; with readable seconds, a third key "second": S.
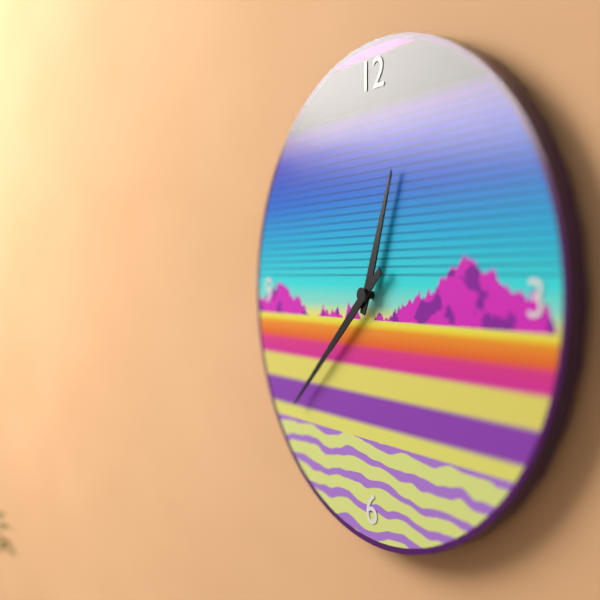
{"hour": 12, "minute": 38}
